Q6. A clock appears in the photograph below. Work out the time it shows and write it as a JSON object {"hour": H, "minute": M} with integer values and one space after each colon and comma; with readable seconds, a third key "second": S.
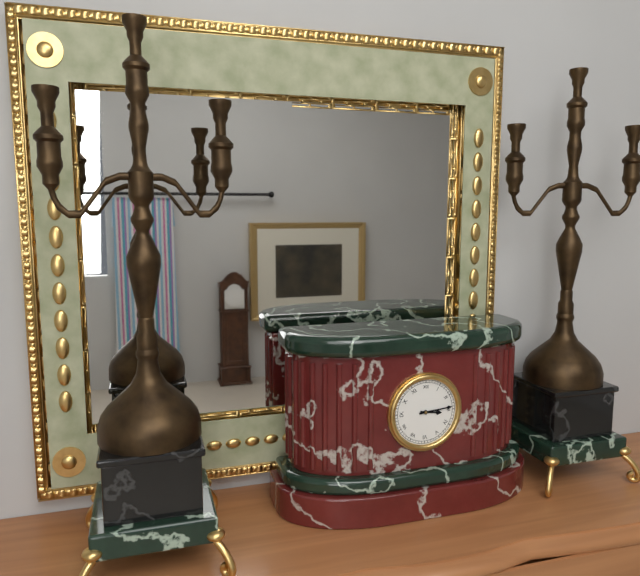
{"hour": 3, "minute": 14}
